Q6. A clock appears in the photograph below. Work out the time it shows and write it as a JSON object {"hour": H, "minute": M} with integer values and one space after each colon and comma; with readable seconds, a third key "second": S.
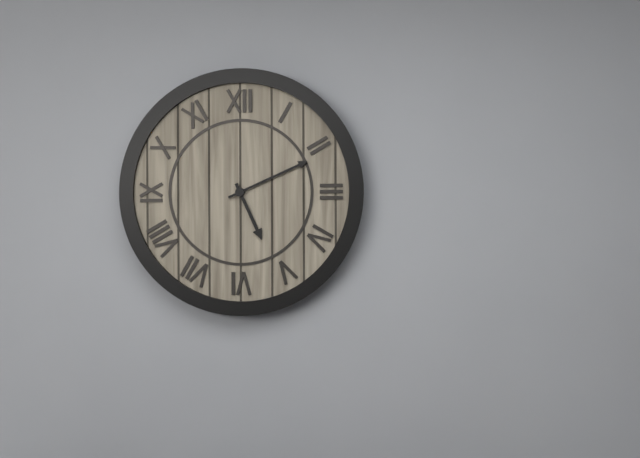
{"hour": 5, "minute": 11}
